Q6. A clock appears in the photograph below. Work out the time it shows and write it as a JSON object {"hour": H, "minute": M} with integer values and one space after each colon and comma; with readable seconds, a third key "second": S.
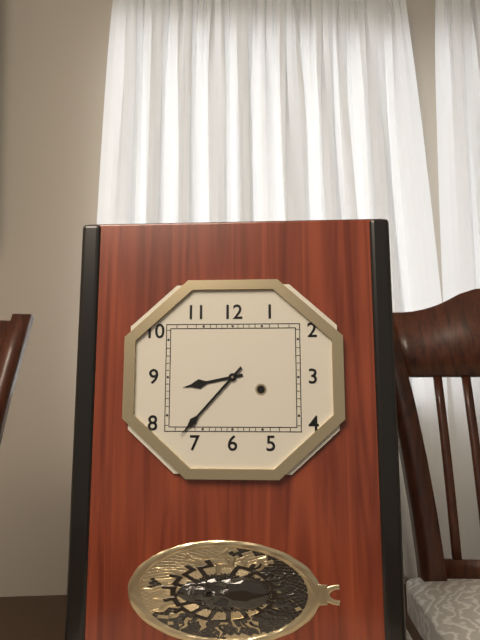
{"hour": 8, "minute": 37}
